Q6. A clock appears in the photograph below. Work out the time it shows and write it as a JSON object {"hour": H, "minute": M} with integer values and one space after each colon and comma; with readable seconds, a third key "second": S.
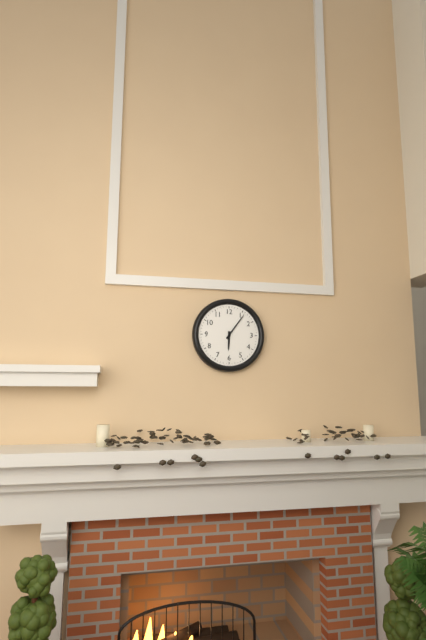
{"hour": 6, "minute": 6}
